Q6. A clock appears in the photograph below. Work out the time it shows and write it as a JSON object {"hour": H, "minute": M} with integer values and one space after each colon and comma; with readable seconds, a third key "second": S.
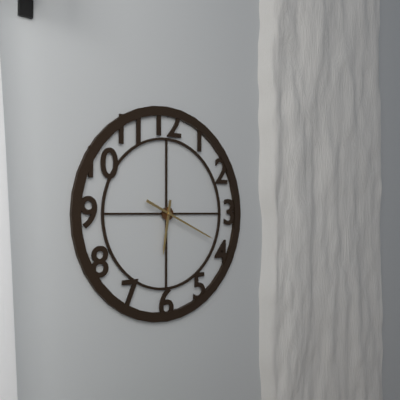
{"hour": 6, "minute": 19}
